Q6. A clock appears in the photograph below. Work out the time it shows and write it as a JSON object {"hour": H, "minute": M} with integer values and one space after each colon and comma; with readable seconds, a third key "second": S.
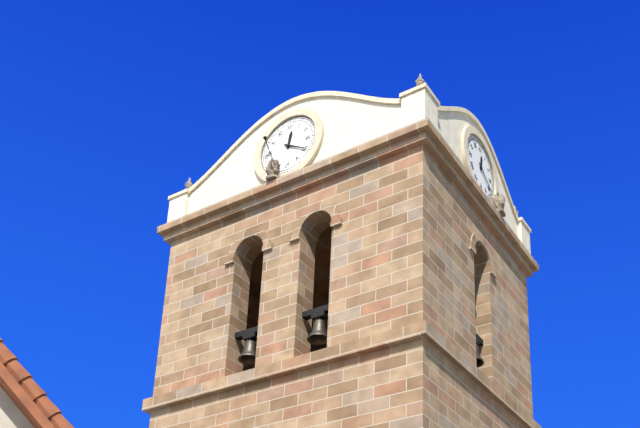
{"hour": 12, "minute": 20}
